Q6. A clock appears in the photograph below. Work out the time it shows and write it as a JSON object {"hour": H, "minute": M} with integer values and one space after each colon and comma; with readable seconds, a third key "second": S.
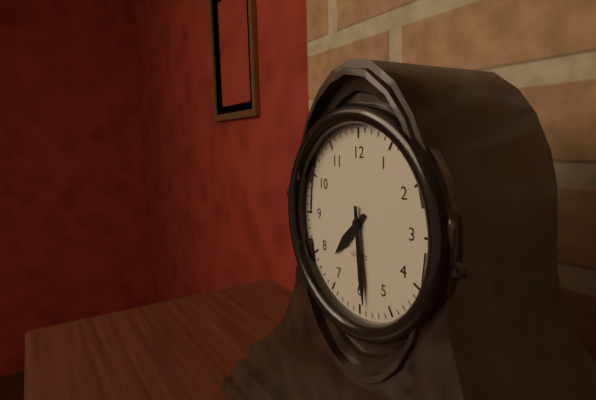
{"hour": 7, "minute": 29}
